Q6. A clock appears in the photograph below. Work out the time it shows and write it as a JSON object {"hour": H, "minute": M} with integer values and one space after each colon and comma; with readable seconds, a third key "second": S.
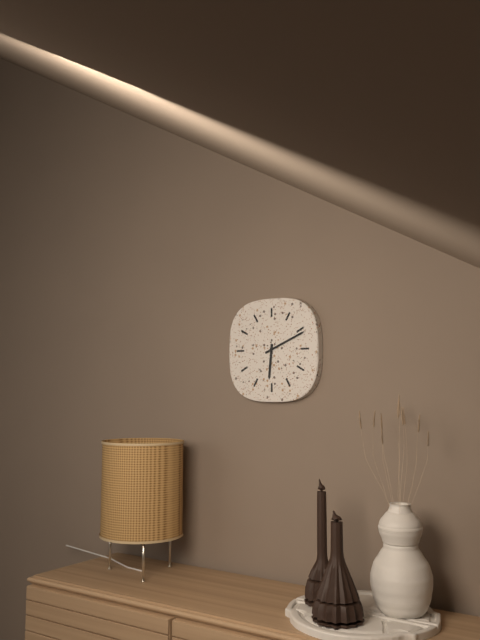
{"hour": 6, "minute": 11}
